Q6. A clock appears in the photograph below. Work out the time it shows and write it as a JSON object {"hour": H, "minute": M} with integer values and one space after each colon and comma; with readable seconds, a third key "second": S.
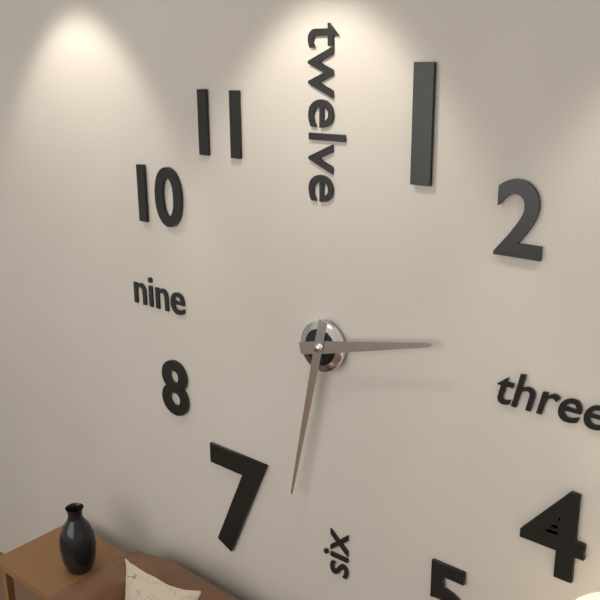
{"hour": 2, "minute": 32}
